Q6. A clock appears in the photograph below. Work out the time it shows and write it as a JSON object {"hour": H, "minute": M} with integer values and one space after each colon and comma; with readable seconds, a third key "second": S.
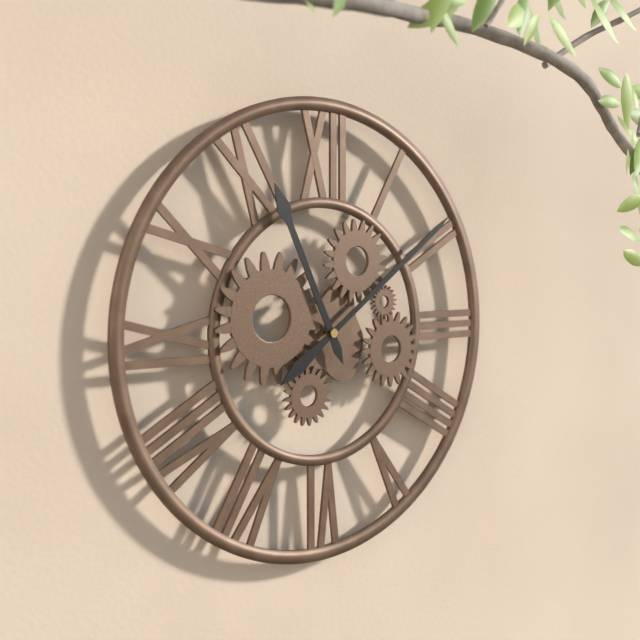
{"hour": 11, "minute": 9}
